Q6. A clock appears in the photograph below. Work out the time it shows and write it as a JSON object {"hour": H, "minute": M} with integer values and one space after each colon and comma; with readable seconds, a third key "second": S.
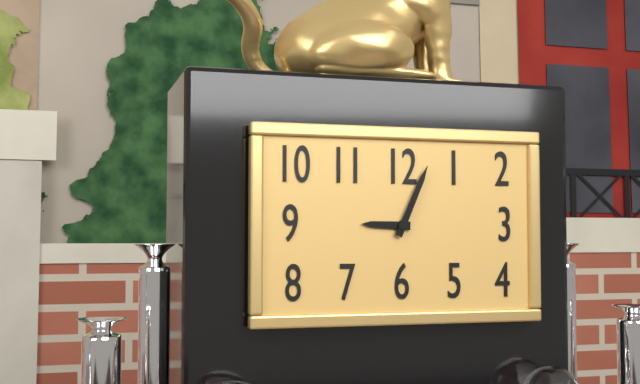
{"hour": 9, "minute": 4}
